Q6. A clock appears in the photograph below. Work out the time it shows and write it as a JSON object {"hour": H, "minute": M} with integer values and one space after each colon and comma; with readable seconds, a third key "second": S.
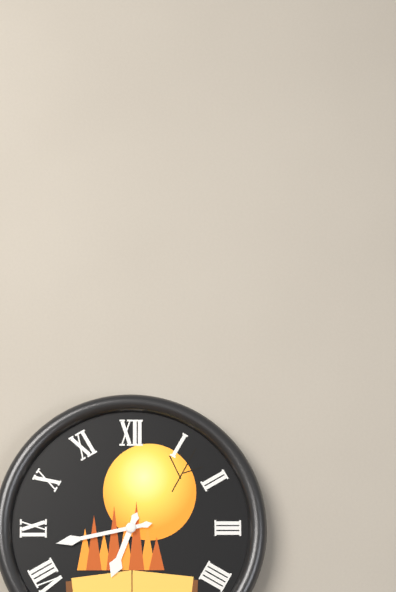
{"hour": 6, "minute": 43}
